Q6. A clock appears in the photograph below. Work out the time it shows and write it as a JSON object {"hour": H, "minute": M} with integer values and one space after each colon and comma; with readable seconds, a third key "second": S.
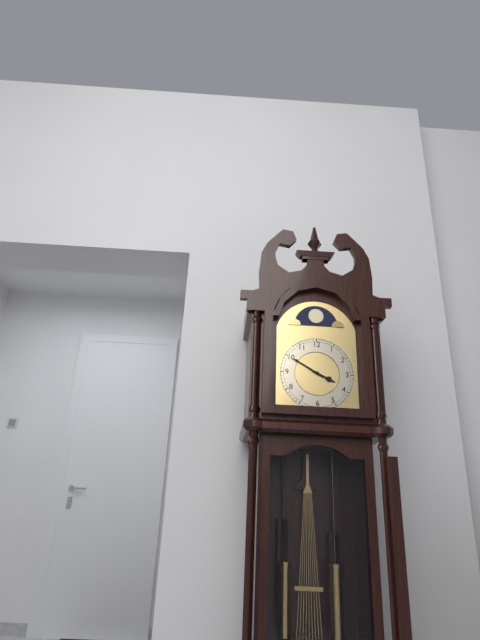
{"hour": 3, "minute": 50}
